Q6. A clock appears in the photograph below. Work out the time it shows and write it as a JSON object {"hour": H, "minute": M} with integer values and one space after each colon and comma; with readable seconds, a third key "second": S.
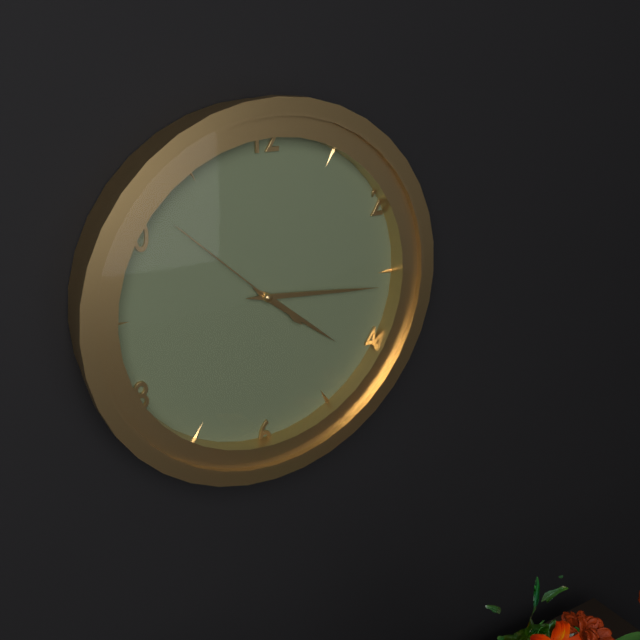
{"hour": 4, "minute": 16, "second": 52}
